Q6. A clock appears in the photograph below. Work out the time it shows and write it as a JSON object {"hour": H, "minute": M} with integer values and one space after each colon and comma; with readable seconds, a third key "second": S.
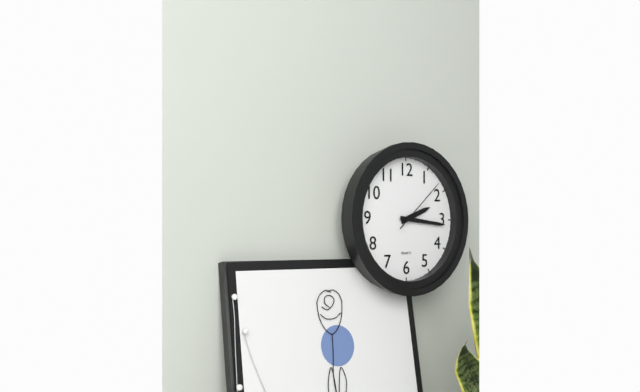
{"hour": 2, "minute": 16, "second": 8}
